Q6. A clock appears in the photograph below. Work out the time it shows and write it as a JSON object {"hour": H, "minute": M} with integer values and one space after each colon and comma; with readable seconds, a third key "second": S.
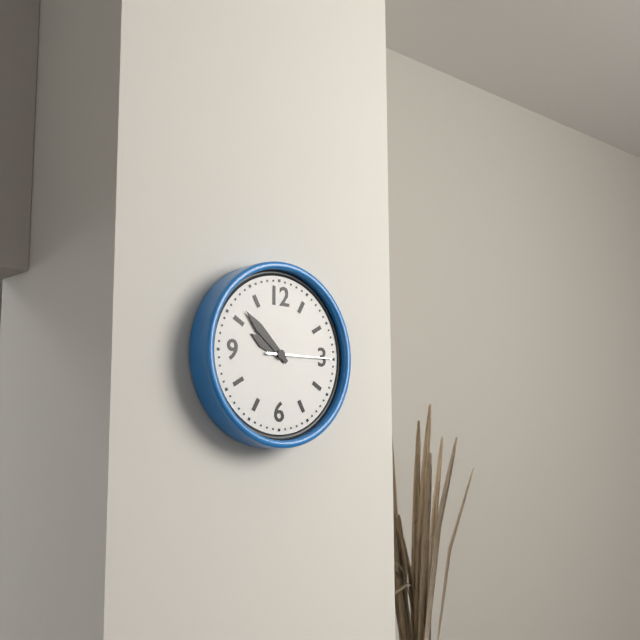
{"hour": 9, "minute": 52, "second": 15}
